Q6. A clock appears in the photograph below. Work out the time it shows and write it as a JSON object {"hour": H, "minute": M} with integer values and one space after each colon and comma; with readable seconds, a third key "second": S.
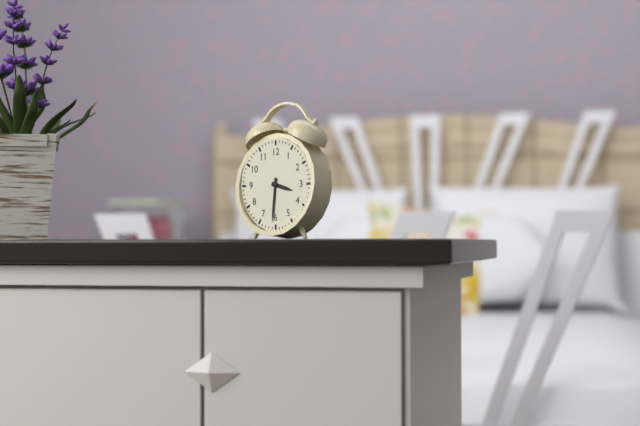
{"hour": 3, "minute": 31}
